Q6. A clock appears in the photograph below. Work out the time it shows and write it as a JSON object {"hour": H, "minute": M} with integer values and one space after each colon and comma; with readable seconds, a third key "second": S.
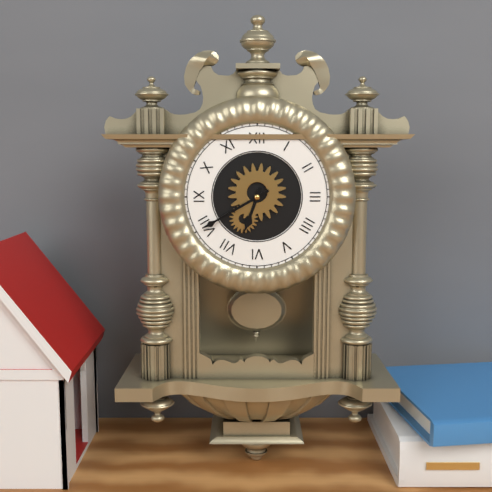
{"hour": 6, "minute": 40}
